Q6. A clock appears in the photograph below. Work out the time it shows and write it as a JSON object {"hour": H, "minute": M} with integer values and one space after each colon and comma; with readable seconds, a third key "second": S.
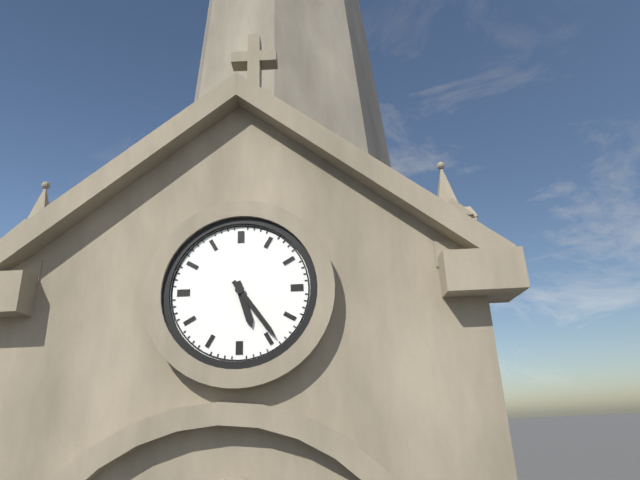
{"hour": 5, "minute": 24}
